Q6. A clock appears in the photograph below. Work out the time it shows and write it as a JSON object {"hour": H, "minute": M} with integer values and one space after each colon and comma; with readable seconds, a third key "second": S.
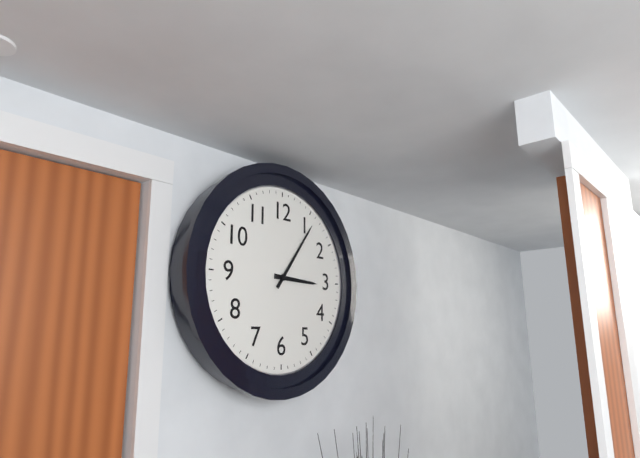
{"hour": 3, "minute": 6}
